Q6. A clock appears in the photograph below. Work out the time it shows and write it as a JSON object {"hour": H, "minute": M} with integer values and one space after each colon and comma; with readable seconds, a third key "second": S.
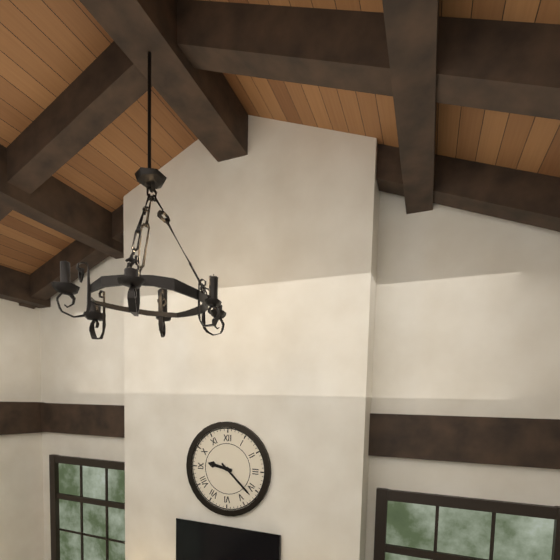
{"hour": 9, "minute": 22}
